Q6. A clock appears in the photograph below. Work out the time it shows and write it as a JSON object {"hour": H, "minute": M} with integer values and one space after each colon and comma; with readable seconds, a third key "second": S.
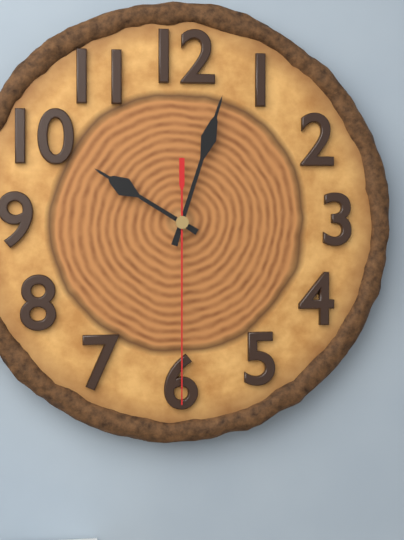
{"hour": 10, "minute": 3, "second": 30}
